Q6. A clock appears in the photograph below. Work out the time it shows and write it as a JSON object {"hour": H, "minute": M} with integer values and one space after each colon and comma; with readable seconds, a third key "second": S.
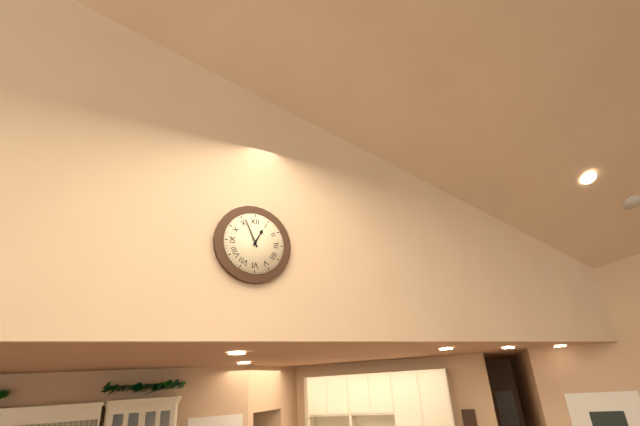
{"hour": 12, "minute": 56}
